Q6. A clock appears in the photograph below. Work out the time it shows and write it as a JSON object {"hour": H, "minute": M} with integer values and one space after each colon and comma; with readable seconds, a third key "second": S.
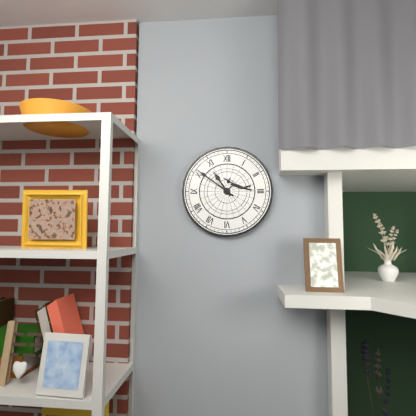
{"hour": 10, "minute": 51}
